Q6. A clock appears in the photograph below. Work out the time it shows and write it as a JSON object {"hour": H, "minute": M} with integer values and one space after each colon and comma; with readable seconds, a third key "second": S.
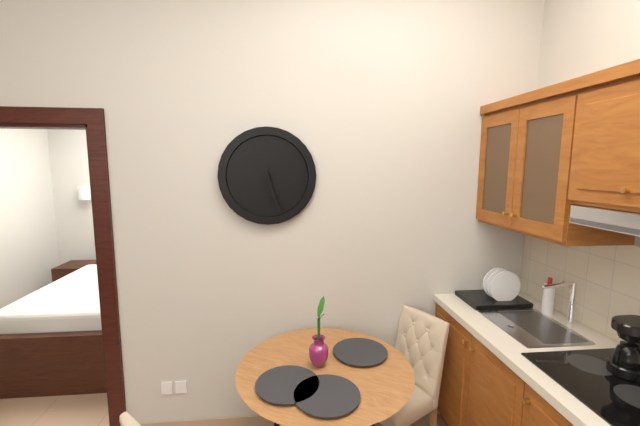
{"hour": 5, "minute": 27}
